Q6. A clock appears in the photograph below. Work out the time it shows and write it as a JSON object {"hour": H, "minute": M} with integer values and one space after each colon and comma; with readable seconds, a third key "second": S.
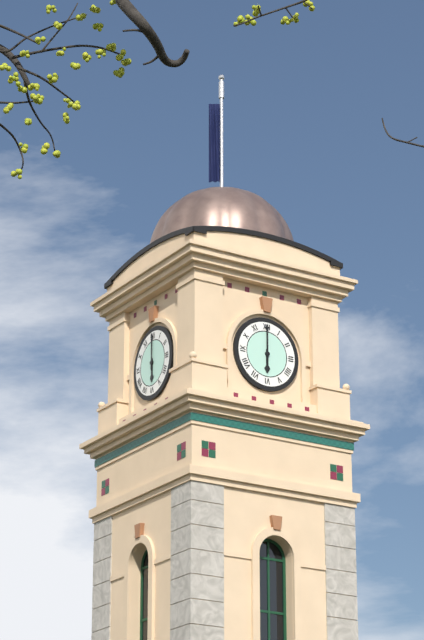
{"hour": 6, "minute": 0}
